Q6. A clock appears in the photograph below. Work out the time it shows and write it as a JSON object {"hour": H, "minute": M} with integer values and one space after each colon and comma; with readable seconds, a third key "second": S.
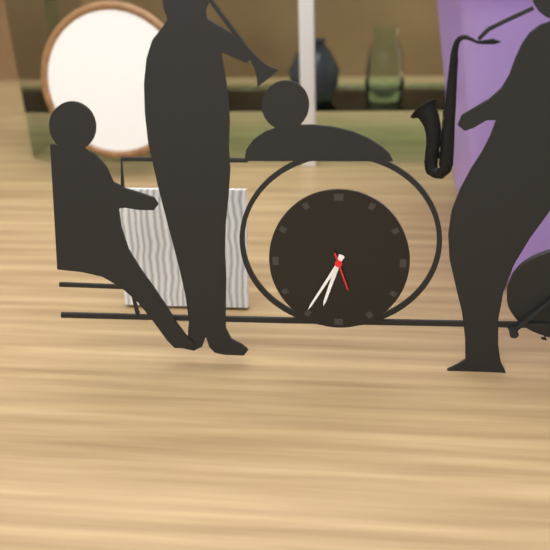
{"hour": 6, "minute": 35}
